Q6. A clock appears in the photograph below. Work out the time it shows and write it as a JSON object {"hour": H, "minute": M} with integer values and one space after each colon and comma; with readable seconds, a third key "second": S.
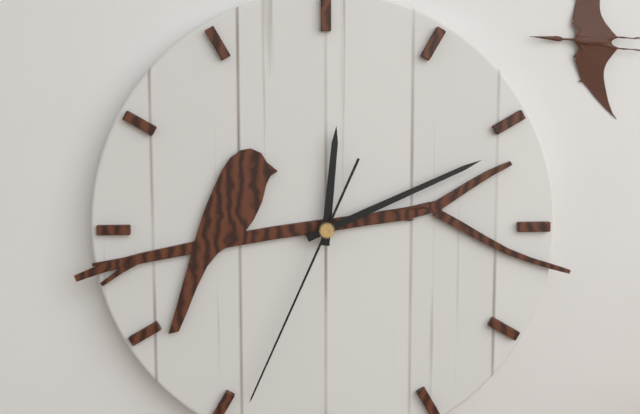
{"hour": 12, "minute": 11, "second": 34}
